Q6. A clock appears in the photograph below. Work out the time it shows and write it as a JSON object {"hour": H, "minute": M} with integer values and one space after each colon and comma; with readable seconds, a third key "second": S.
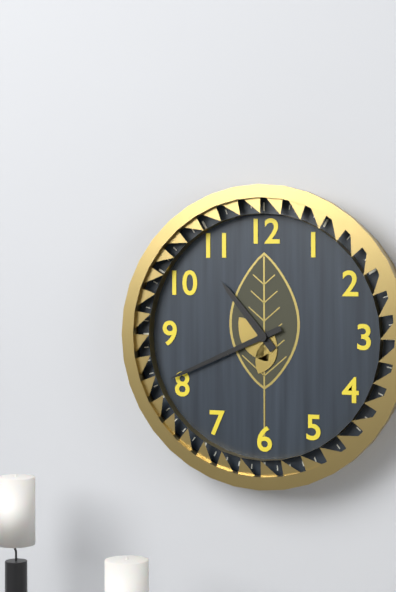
{"hour": 10, "minute": 41}
